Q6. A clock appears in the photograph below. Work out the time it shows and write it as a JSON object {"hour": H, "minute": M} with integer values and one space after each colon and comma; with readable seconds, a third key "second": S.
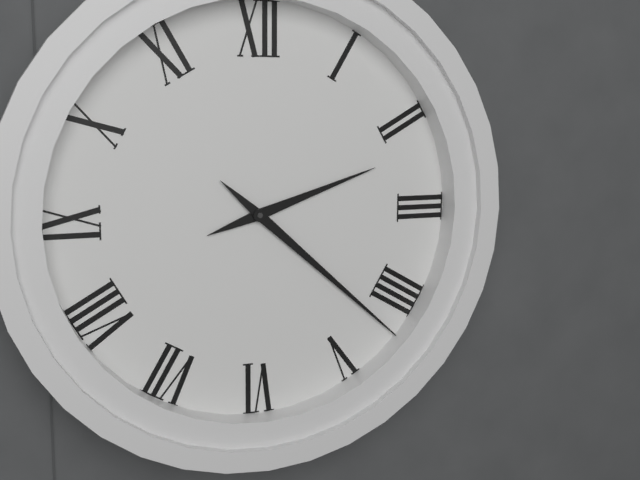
{"hour": 2, "minute": 22}
